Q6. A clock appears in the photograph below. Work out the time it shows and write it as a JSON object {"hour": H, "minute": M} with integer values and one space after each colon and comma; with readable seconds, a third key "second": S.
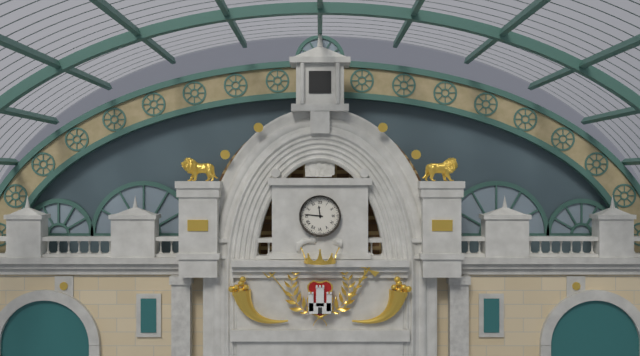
{"hour": 11, "minute": 46}
